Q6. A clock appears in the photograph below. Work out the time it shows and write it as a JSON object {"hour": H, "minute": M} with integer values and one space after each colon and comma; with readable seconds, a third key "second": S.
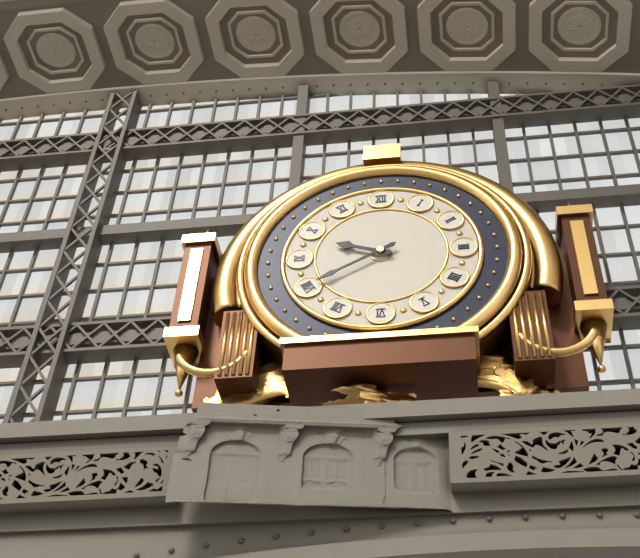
{"hour": 9, "minute": 40}
